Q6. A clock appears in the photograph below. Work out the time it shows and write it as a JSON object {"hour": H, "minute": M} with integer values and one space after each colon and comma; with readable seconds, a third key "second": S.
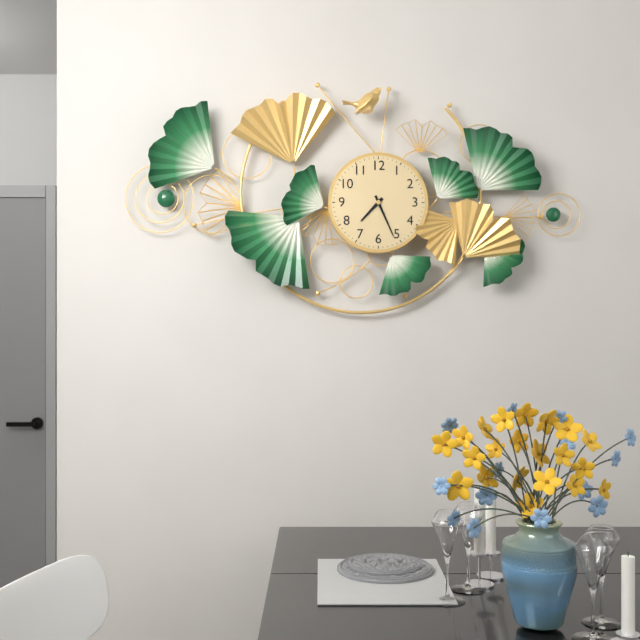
{"hour": 7, "minute": 26}
